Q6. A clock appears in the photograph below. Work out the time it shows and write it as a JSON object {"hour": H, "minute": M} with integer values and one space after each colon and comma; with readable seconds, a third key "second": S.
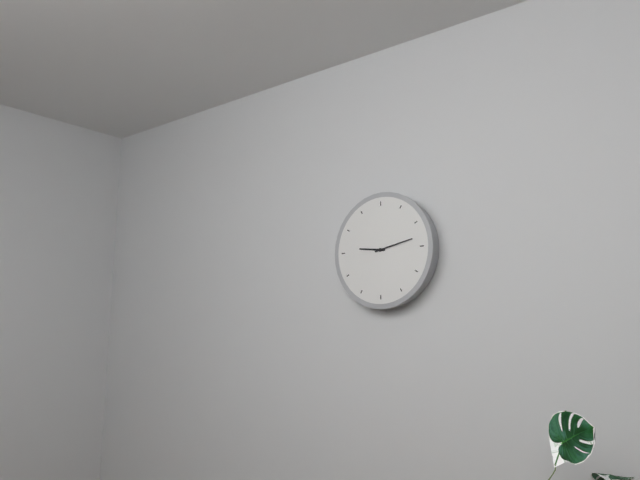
{"hour": 9, "minute": 13}
